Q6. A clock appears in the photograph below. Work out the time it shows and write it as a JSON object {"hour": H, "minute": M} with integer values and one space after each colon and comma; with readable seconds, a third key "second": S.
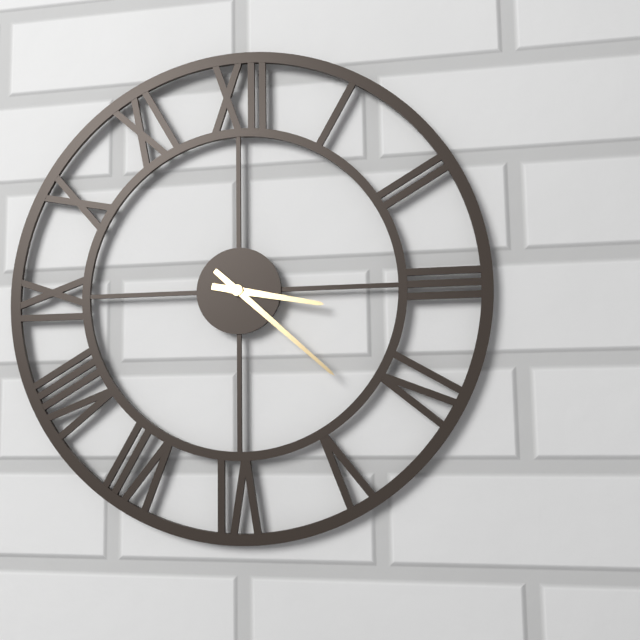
{"hour": 3, "minute": 22}
